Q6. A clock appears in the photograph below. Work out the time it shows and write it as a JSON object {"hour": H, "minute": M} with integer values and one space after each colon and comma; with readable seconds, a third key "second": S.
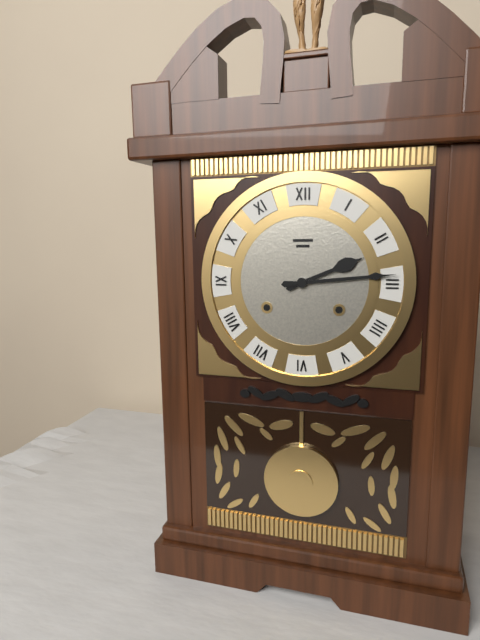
{"hour": 2, "minute": 14}
